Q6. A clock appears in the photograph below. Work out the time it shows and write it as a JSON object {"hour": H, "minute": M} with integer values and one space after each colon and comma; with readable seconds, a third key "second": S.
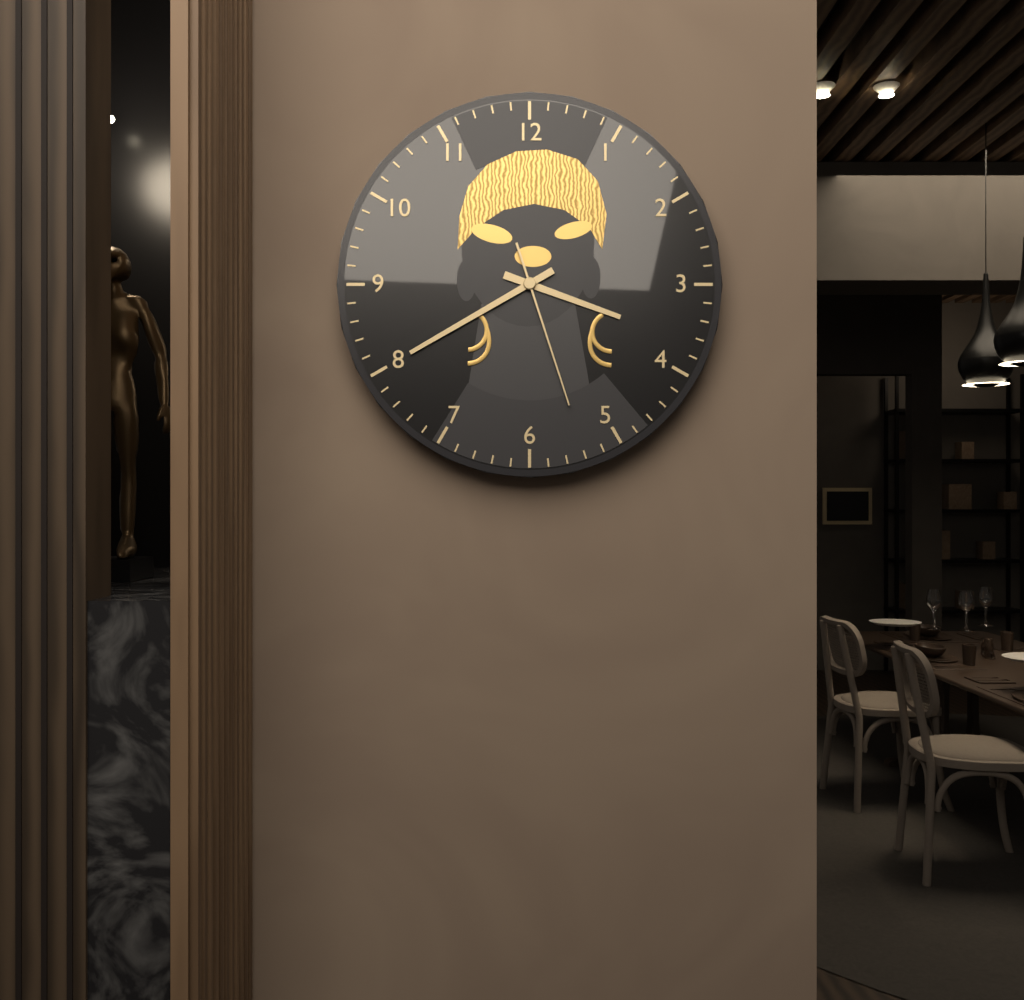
{"hour": 3, "minute": 40, "second": 27}
